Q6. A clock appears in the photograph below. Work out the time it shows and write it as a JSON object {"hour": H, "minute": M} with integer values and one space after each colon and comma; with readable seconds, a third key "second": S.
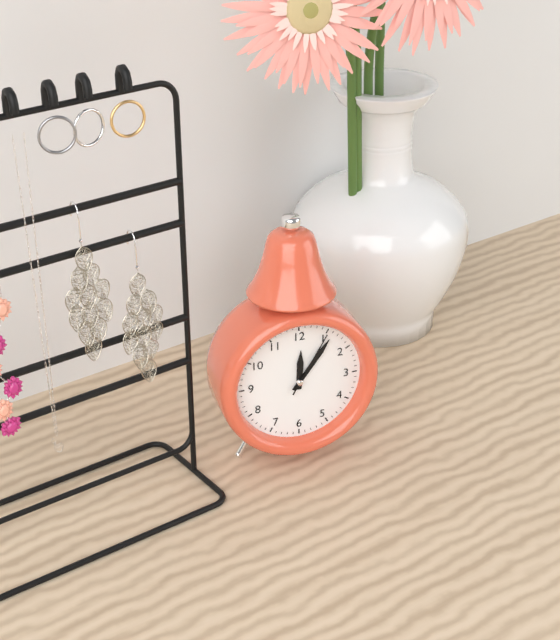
{"hour": 12, "minute": 6, "second": 5}
